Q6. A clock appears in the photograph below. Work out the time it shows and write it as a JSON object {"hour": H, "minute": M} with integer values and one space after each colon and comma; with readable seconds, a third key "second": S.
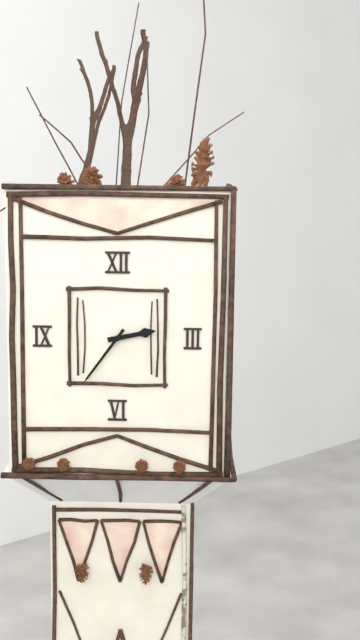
{"hour": 2, "minute": 36}
